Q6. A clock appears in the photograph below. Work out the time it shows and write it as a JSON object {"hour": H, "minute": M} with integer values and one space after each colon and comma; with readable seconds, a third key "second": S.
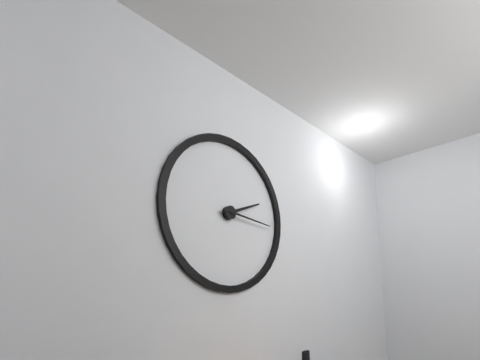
{"hour": 2, "minute": 16}
